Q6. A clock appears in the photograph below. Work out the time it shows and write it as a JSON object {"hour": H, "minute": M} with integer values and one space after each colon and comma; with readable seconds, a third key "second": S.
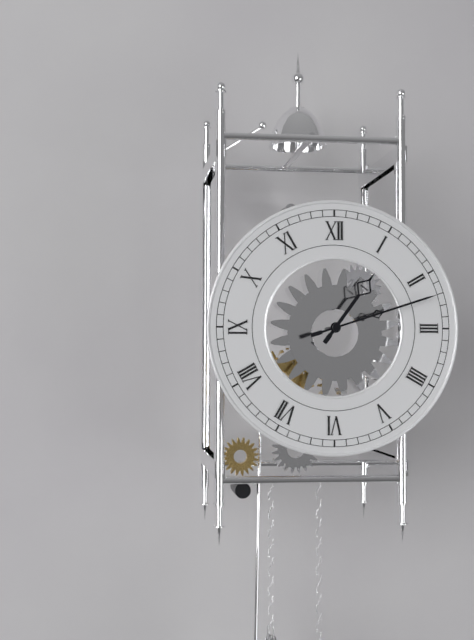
{"hour": 1, "minute": 12}
